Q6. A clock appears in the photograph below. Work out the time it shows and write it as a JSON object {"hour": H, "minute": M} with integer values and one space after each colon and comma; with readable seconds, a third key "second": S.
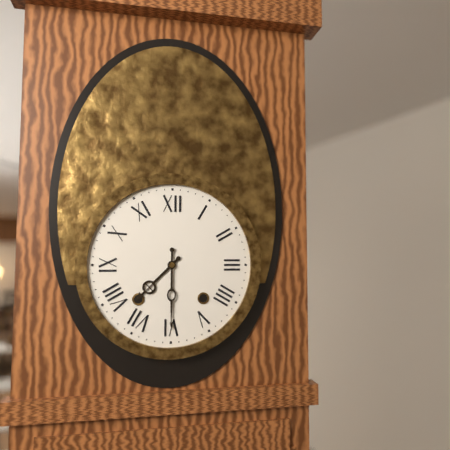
{"hour": 7, "minute": 30}
